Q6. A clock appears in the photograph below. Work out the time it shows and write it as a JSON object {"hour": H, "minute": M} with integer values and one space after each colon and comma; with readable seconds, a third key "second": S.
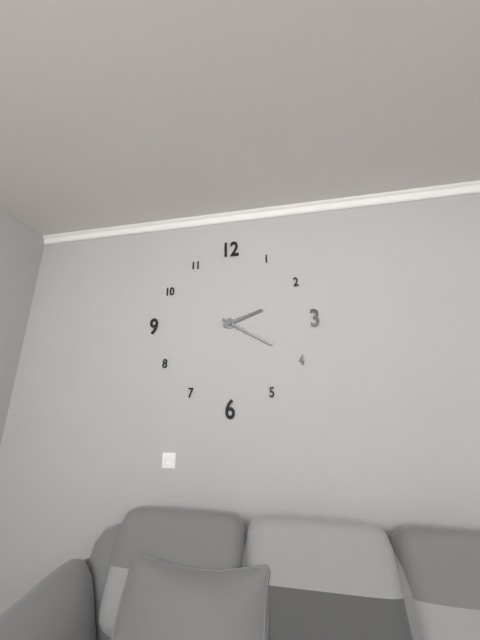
{"hour": 2, "minute": 20}
